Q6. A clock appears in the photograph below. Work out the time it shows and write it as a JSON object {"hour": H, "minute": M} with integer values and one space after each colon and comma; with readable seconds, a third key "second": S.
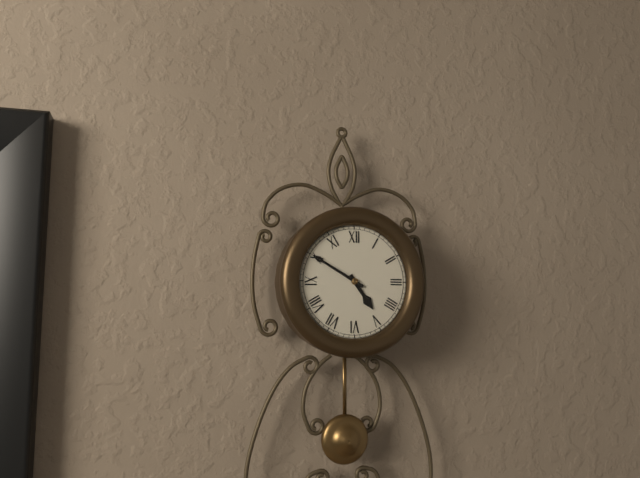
{"hour": 4, "minute": 50}
